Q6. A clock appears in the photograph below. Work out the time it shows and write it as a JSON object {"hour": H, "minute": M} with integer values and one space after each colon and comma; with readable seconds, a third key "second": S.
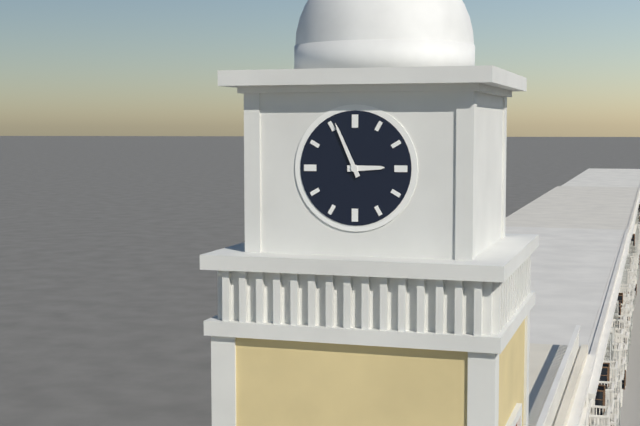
{"hour": 2, "minute": 56}
